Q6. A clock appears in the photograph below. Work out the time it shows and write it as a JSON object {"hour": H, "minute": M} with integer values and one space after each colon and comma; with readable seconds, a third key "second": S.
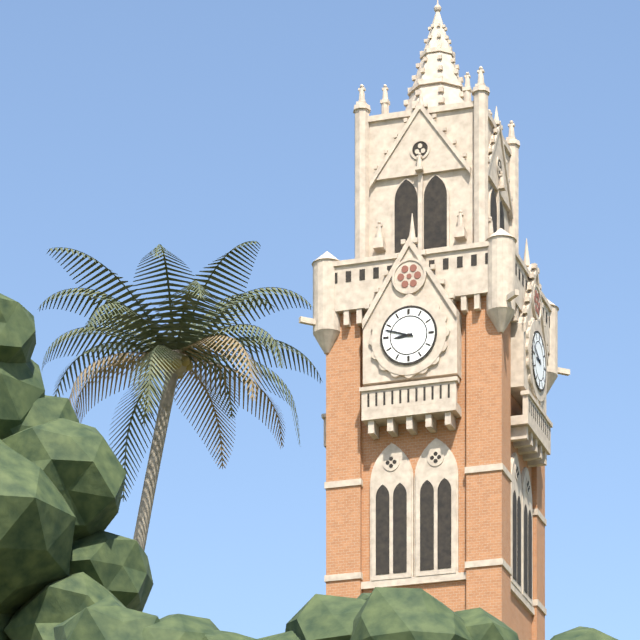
{"hour": 8, "minute": 48}
